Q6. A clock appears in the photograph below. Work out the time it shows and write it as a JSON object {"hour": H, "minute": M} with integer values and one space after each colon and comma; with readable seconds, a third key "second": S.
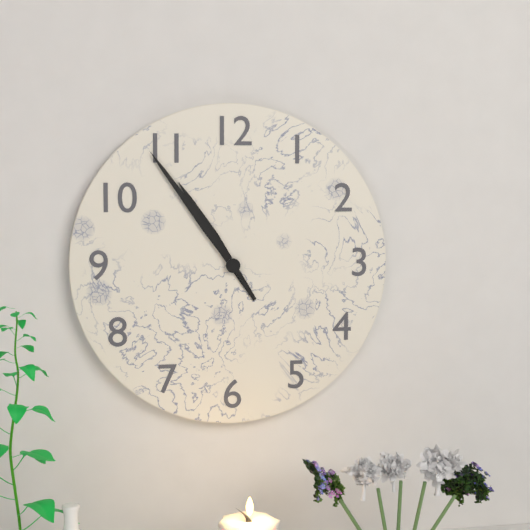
{"hour": 10, "minute": 54}
